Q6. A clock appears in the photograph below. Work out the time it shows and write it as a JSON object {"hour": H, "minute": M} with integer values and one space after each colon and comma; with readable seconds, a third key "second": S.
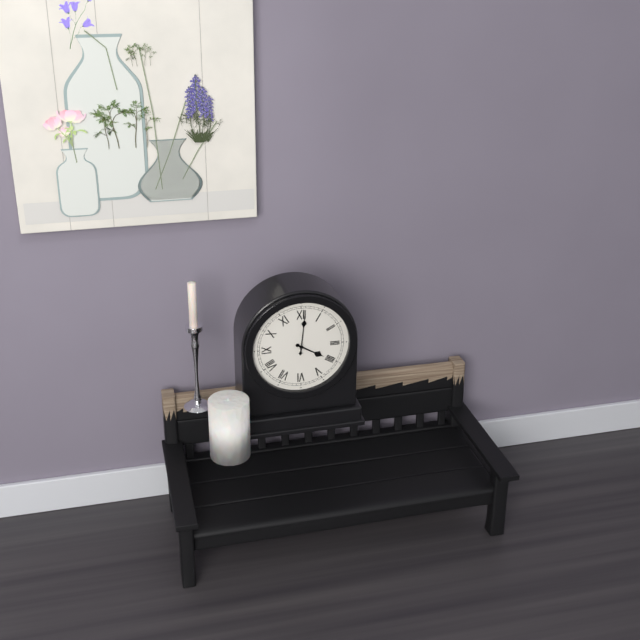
{"hour": 4, "minute": 1}
